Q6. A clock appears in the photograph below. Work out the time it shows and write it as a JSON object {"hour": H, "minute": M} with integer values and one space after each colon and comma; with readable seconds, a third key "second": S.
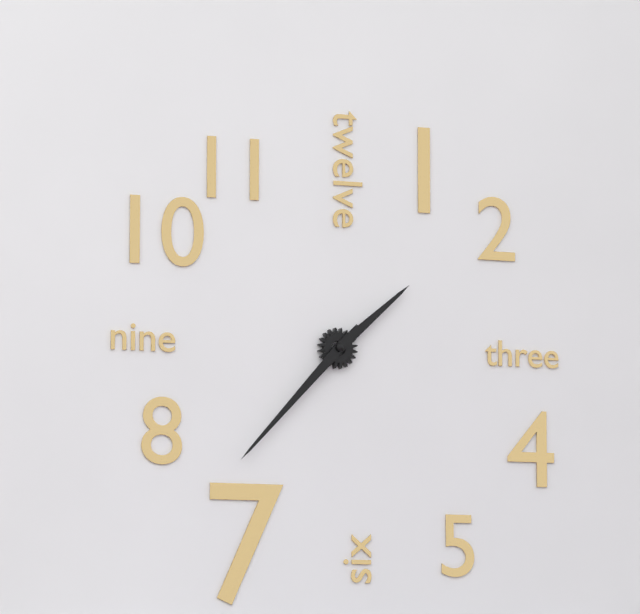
{"hour": 1, "minute": 37}
